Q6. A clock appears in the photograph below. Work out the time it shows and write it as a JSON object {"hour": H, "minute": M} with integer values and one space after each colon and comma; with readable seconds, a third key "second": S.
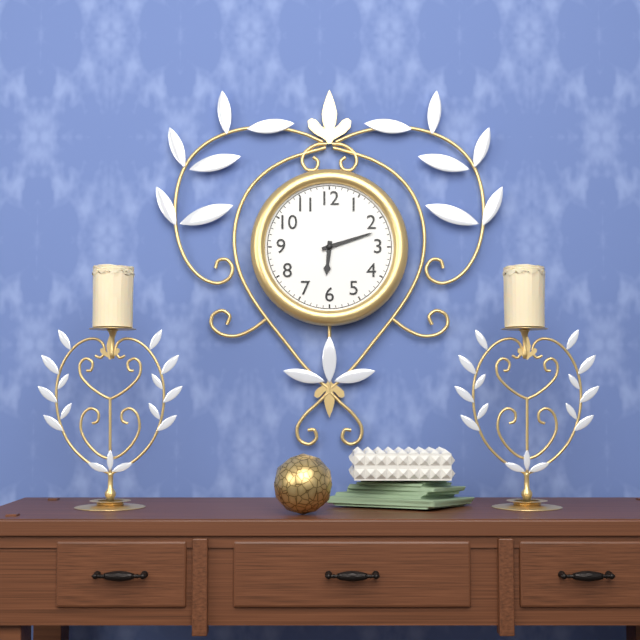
{"hour": 6, "minute": 12}
